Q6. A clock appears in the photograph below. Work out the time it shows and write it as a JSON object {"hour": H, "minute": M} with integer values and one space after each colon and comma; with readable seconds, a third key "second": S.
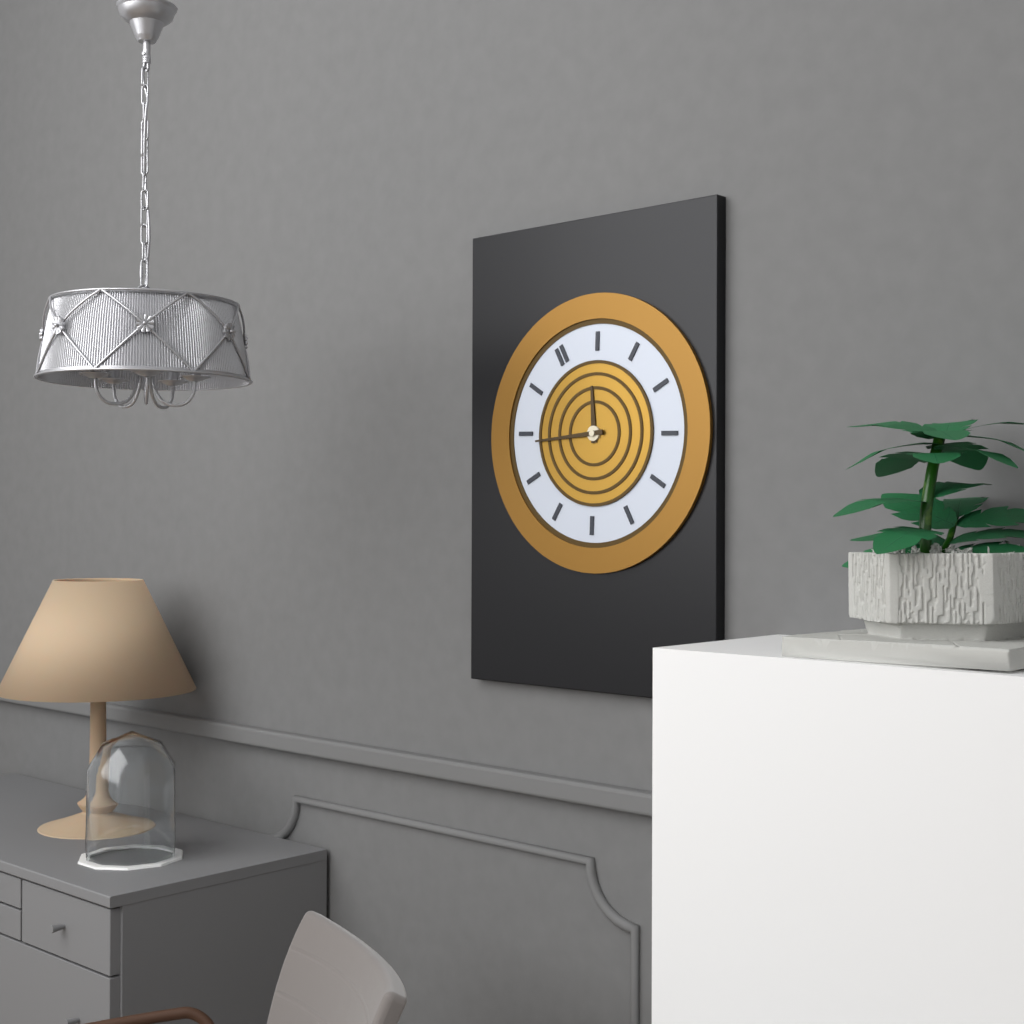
{"hour": 12, "minute": 49}
